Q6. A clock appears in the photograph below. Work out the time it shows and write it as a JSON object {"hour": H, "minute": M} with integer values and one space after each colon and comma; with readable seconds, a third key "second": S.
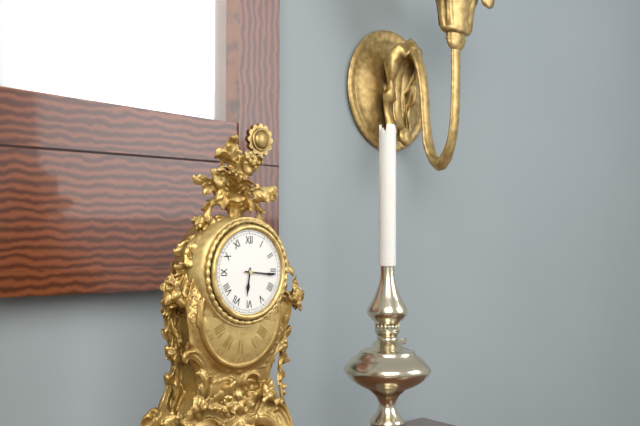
{"hour": 6, "minute": 16}
